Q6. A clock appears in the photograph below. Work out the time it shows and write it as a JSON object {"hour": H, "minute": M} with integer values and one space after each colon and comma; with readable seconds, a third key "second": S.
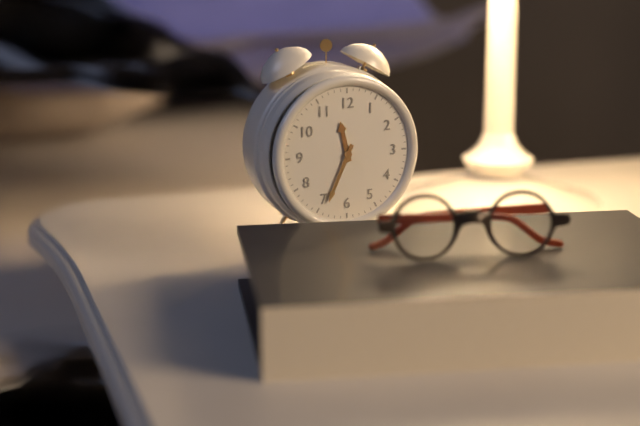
{"hour": 11, "minute": 34}
